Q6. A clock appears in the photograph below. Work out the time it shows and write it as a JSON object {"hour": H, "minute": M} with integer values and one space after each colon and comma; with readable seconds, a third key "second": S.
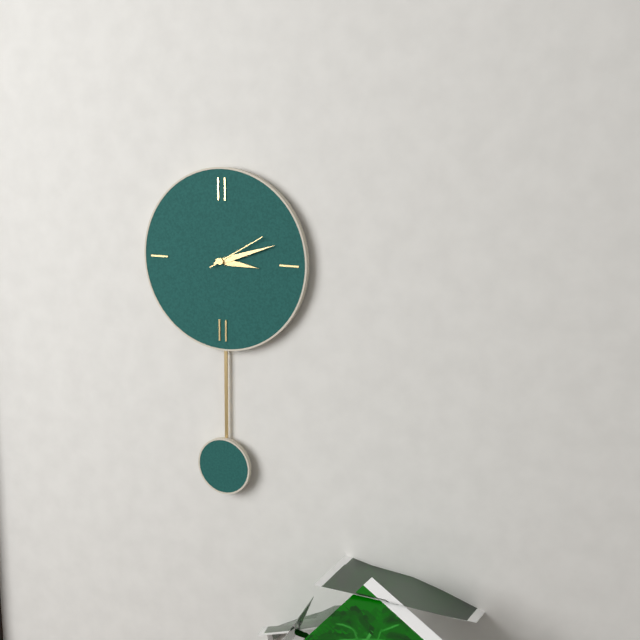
{"hour": 3, "minute": 12, "second": 10}
